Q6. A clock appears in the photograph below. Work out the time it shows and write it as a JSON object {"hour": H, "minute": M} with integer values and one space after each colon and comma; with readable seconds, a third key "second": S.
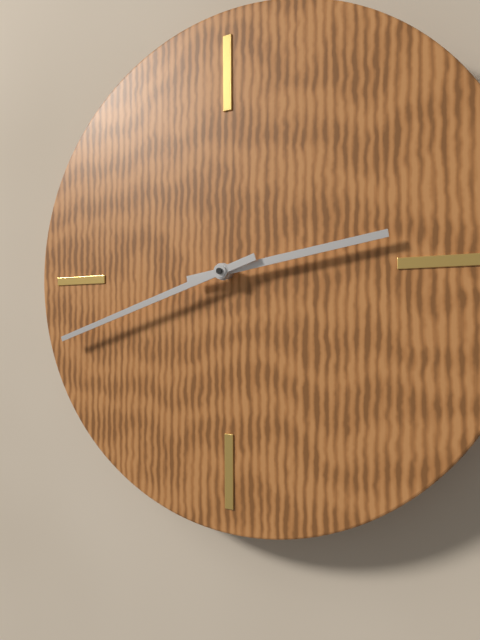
{"hour": 2, "minute": 42}
